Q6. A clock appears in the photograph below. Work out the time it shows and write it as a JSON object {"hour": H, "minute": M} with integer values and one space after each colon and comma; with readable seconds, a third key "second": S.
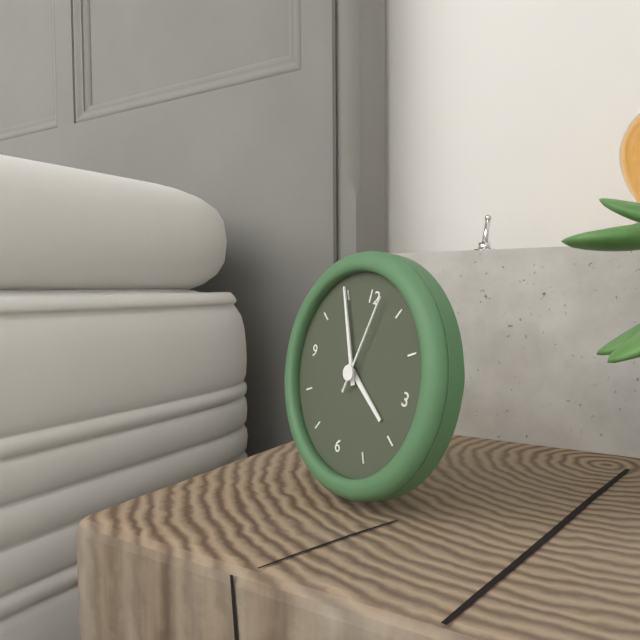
{"hour": 3, "minute": 55, "second": 2}
